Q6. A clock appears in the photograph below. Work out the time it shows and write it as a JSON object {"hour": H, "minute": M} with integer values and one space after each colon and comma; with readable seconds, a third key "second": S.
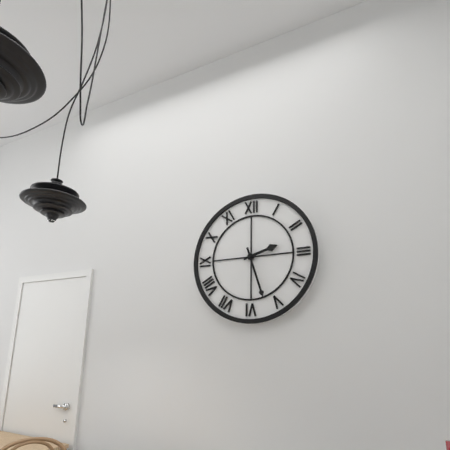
{"hour": 2, "minute": 27}
